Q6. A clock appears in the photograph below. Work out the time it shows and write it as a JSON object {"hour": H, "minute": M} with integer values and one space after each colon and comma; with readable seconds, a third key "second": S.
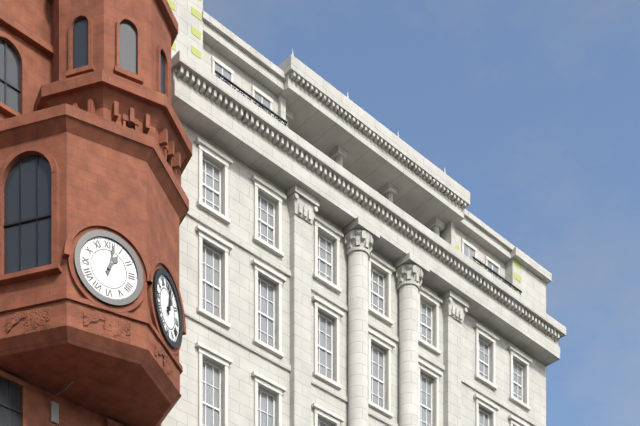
{"hour": 1, "minute": 2}
